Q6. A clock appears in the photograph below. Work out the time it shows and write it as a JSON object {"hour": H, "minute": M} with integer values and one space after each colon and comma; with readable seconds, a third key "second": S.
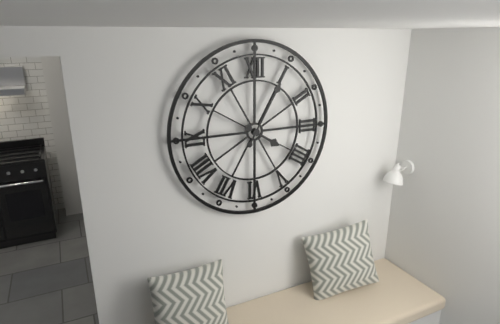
{"hour": 4, "minute": 5}
